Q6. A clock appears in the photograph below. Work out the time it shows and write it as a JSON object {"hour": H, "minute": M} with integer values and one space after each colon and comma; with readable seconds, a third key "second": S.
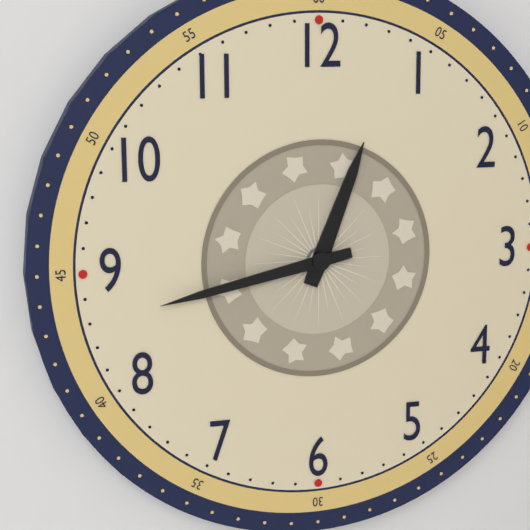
{"hour": 12, "minute": 43}
